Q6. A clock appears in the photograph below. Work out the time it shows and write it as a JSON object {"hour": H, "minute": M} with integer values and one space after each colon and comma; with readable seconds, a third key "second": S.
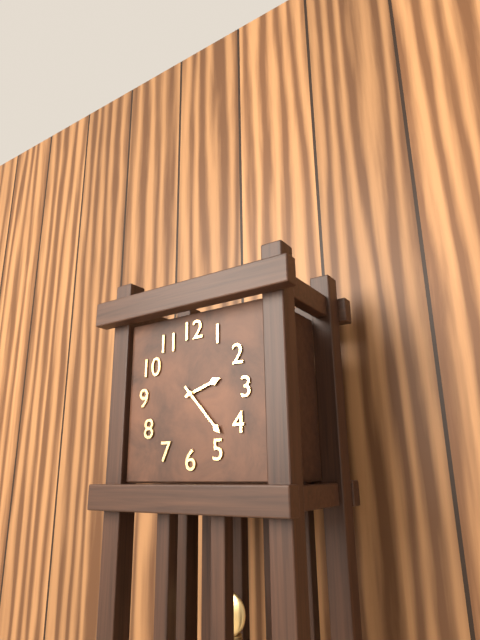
{"hour": 2, "minute": 23}
